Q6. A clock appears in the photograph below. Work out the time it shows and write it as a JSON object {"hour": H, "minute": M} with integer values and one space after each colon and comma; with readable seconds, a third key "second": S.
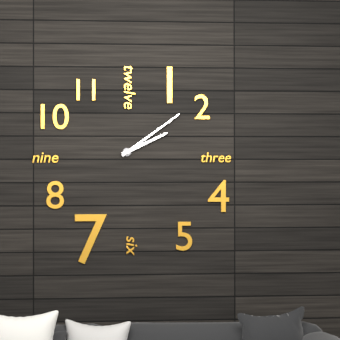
{"hour": 2, "minute": 9}
